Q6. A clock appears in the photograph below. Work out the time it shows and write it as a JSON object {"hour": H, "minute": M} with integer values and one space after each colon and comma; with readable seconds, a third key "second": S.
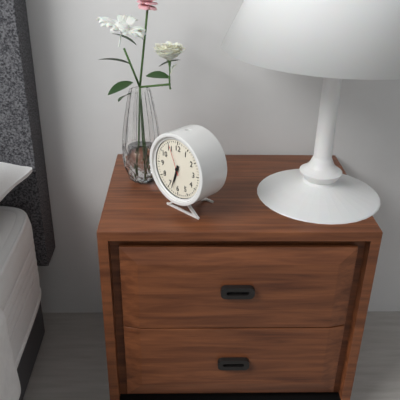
{"hour": 6, "minute": 33}
